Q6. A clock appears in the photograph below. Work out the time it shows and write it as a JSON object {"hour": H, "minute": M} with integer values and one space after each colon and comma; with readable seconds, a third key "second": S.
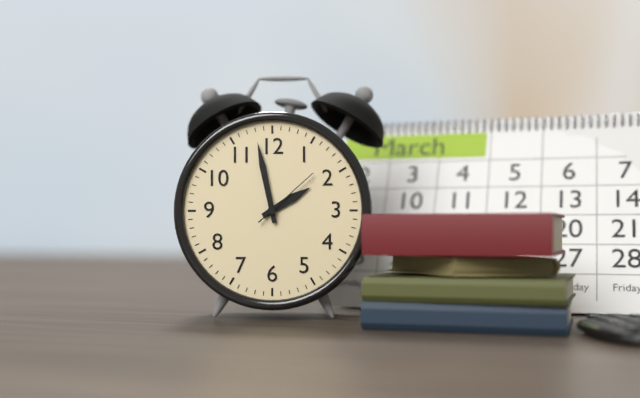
{"hour": 1, "minute": 58, "second": 8}
